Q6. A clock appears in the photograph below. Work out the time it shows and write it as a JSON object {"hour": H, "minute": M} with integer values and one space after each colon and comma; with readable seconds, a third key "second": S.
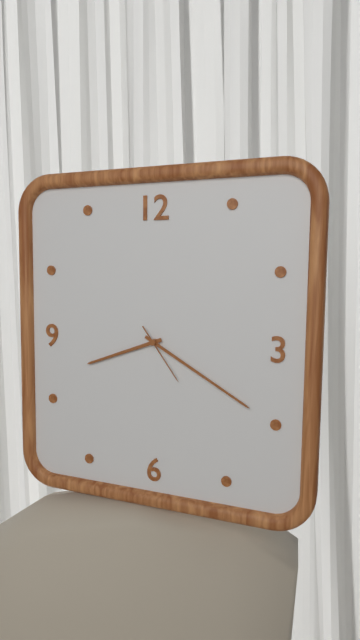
{"hour": 8, "minute": 20, "second": 24}
